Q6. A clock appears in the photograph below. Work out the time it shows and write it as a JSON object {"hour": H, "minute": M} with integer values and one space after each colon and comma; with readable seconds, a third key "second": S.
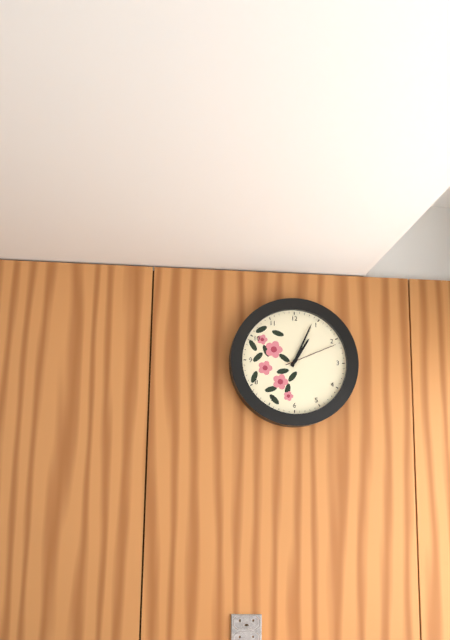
{"hour": 1, "minute": 4, "second": 11}
